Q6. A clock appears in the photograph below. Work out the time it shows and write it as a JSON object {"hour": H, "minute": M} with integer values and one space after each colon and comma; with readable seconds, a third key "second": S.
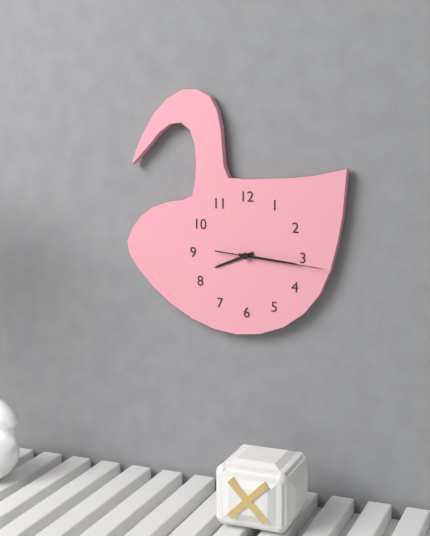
{"hour": 8, "minute": 16, "second": 16}
